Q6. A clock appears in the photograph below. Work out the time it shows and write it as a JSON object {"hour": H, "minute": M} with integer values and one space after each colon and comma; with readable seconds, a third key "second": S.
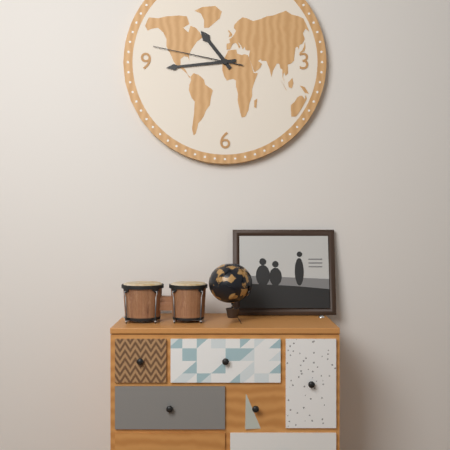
{"hour": 10, "minute": 44, "second": 47}
